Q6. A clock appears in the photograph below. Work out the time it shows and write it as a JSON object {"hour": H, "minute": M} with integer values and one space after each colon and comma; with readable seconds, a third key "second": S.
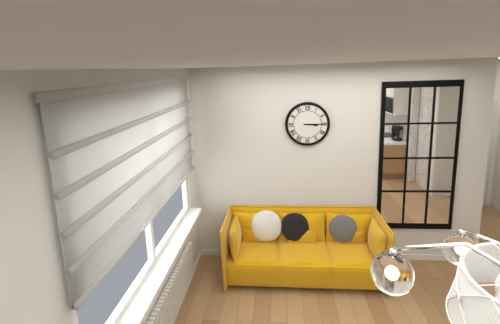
{"hour": 3, "minute": 15}
